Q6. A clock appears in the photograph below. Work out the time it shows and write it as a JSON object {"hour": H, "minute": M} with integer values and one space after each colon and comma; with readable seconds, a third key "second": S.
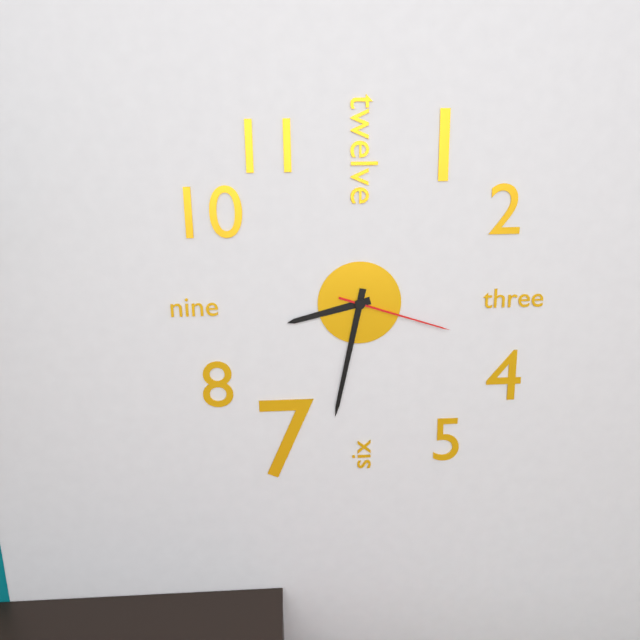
{"hour": 8, "minute": 32, "second": 18}
